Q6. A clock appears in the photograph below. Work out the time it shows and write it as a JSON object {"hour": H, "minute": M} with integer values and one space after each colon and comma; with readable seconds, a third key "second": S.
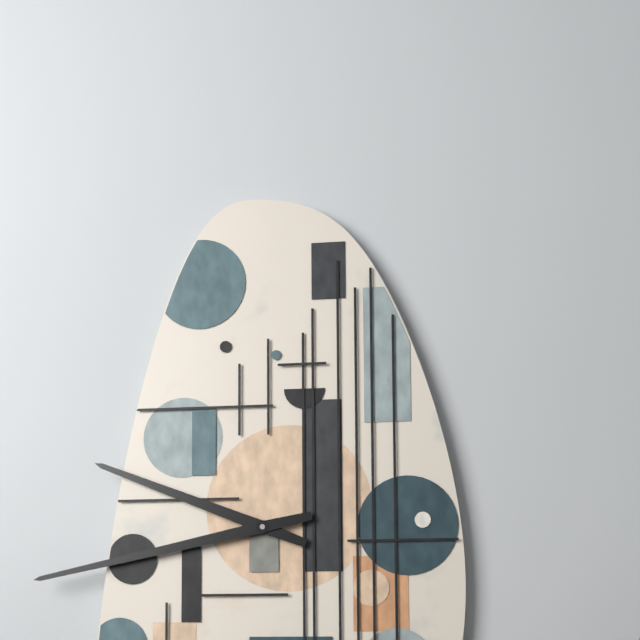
{"hour": 9, "minute": 43}
